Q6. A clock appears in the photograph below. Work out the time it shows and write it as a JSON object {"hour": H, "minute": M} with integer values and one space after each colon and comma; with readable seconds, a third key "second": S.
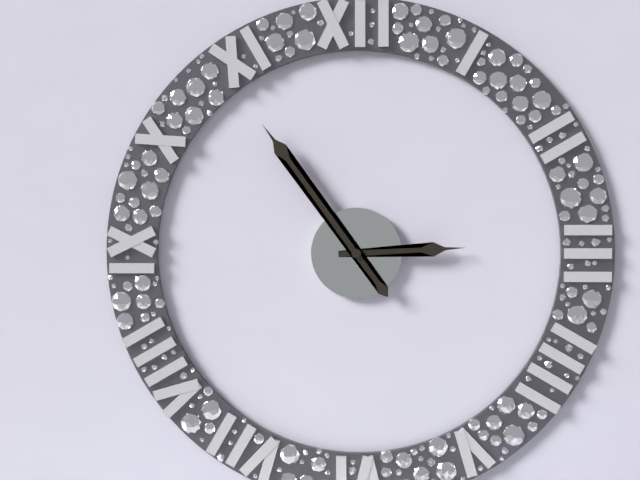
{"hour": 2, "minute": 54}
